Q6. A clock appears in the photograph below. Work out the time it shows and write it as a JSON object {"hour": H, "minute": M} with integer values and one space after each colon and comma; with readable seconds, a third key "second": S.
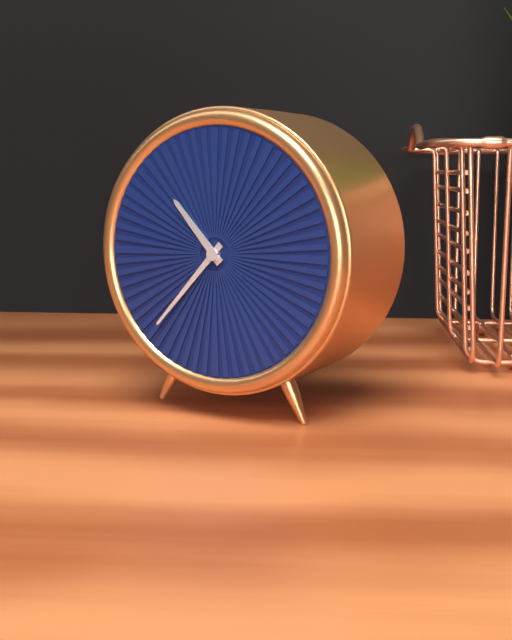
{"hour": 10, "minute": 37}
